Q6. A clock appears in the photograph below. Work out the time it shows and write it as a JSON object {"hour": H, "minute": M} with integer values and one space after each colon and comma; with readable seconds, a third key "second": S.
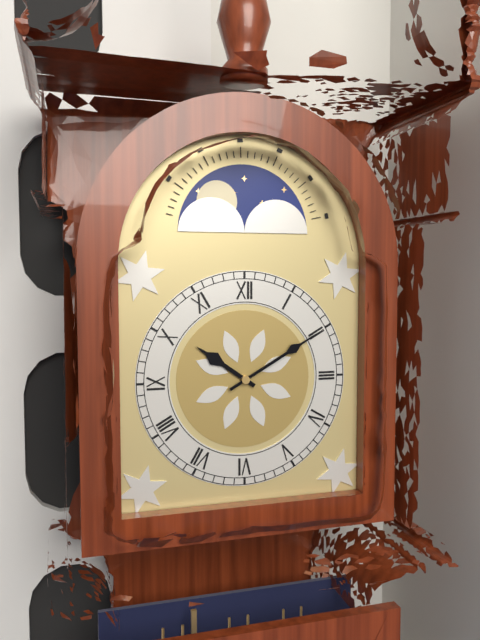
{"hour": 10, "minute": 10}
